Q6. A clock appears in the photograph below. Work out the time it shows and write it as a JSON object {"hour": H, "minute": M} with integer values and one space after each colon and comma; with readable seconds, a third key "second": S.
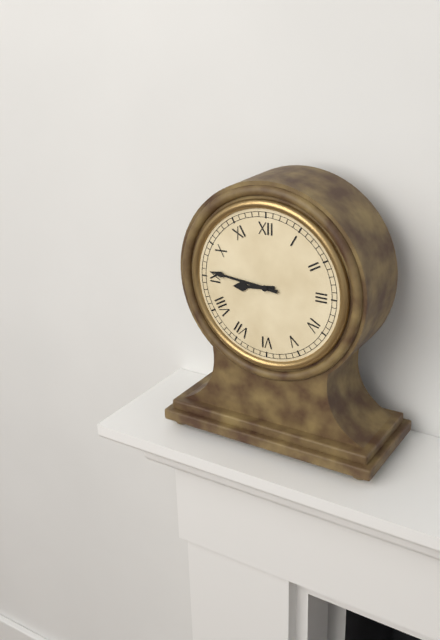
{"hour": 8, "minute": 46}
